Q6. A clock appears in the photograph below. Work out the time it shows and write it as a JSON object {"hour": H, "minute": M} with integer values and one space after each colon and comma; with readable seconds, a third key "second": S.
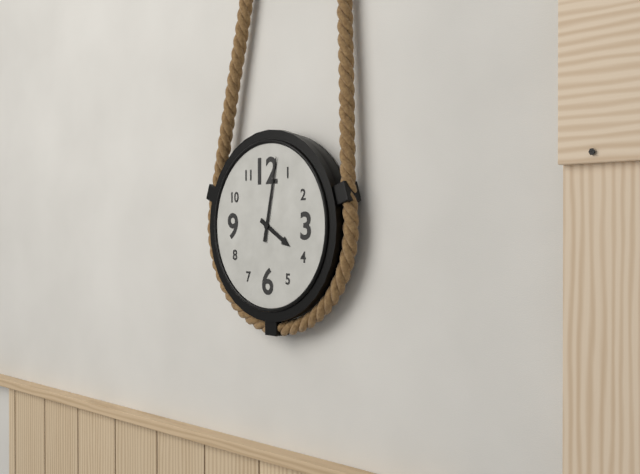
{"hour": 4, "minute": 2}
